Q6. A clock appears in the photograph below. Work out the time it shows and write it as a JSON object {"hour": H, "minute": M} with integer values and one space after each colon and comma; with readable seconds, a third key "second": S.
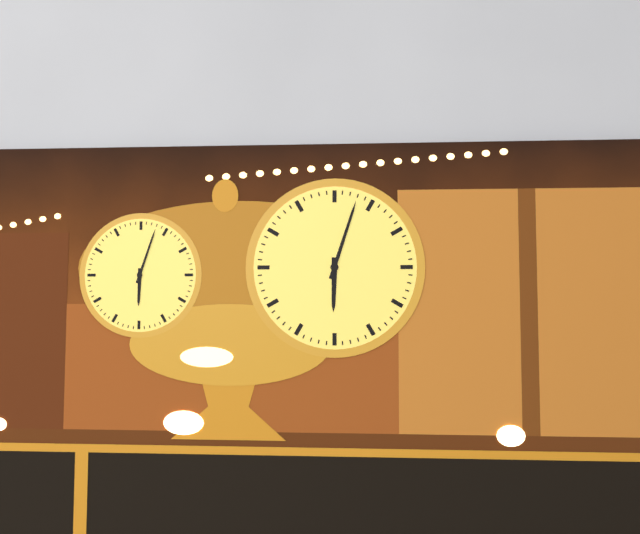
{"hour": 6, "minute": 3}
